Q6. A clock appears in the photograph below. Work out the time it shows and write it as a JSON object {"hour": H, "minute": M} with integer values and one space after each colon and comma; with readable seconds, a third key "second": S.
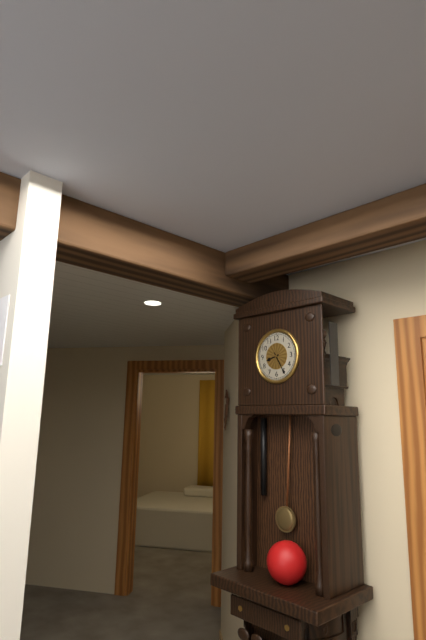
{"hour": 8, "minute": 25}
